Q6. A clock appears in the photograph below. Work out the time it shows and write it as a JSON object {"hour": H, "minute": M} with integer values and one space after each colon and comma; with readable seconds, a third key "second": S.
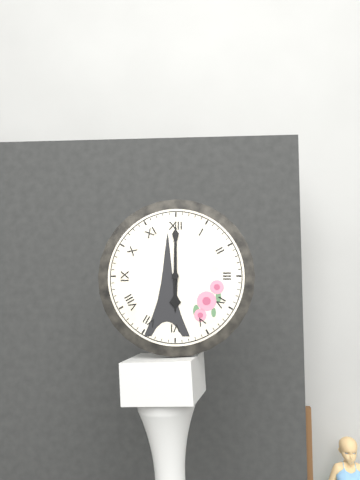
{"hour": 6, "minute": 0}
